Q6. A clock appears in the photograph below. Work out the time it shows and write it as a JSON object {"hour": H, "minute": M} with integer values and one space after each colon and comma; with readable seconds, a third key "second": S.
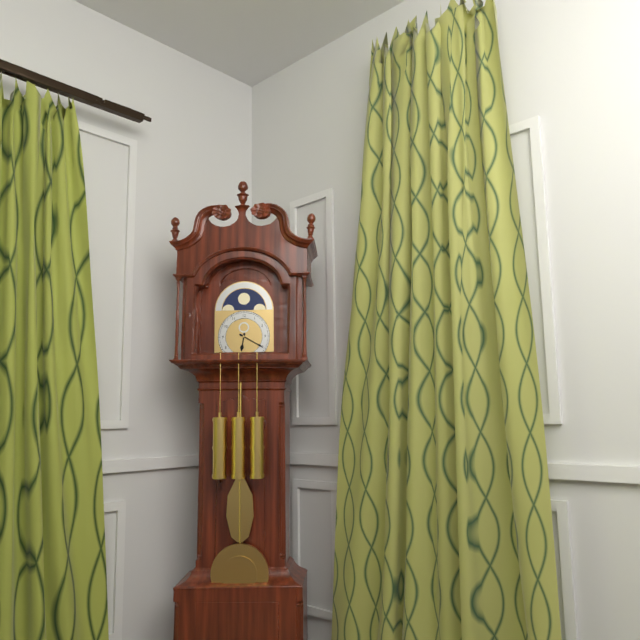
{"hour": 6, "minute": 20}
